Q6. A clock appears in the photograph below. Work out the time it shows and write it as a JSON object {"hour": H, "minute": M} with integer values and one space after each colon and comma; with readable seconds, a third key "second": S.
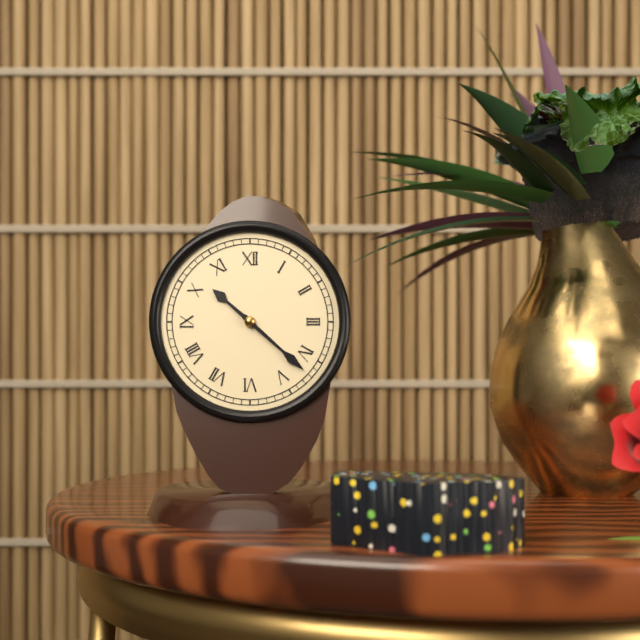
{"hour": 10, "minute": 22}
